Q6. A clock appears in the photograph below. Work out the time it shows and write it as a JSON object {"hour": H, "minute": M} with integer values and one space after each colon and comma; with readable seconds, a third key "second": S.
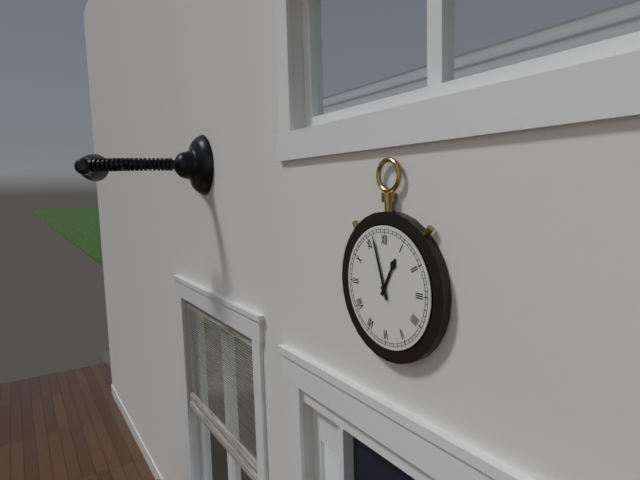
{"hour": 12, "minute": 57}
